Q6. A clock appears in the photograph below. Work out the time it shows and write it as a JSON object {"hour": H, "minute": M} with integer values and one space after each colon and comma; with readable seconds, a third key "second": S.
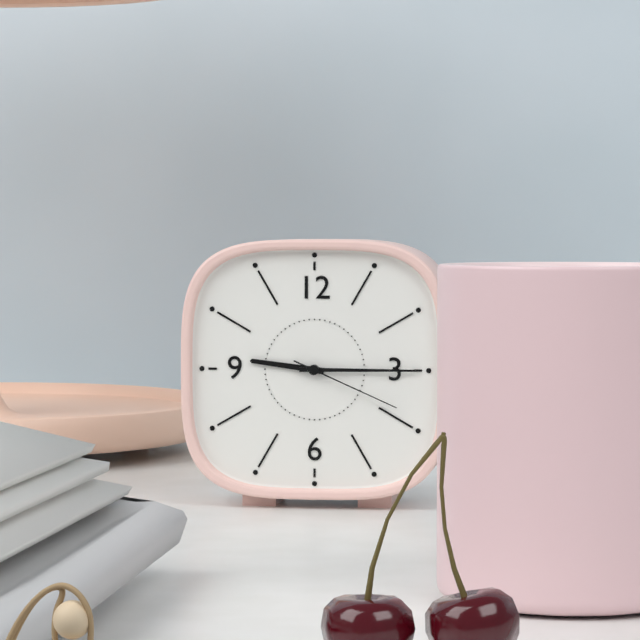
{"hour": 9, "minute": 15, "second": 19}
